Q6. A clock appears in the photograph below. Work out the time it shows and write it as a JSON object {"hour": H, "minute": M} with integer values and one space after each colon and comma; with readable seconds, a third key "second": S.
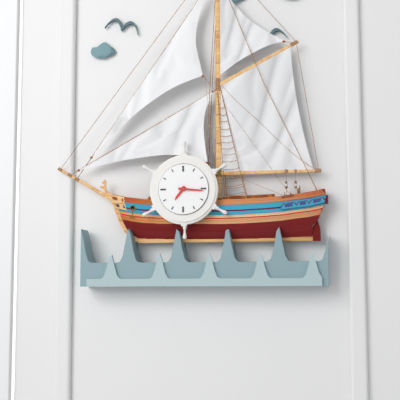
{"hour": 7, "minute": 16}
